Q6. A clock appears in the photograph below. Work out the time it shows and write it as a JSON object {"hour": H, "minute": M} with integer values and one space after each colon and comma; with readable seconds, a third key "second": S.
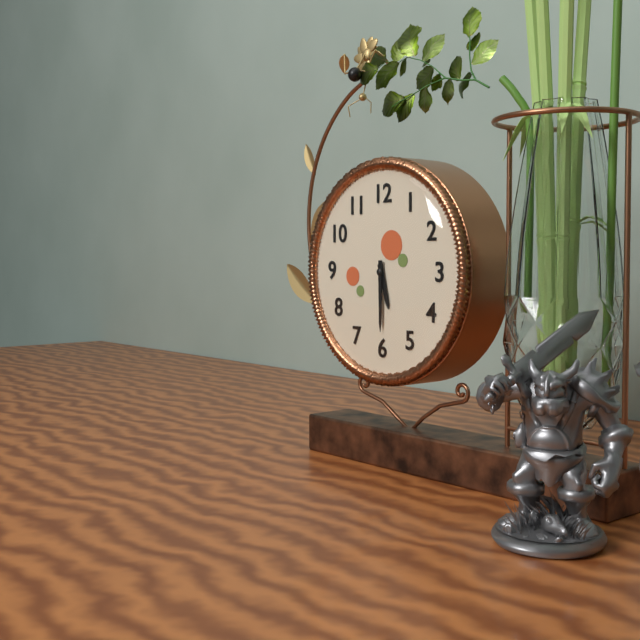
{"hour": 5, "minute": 30}
